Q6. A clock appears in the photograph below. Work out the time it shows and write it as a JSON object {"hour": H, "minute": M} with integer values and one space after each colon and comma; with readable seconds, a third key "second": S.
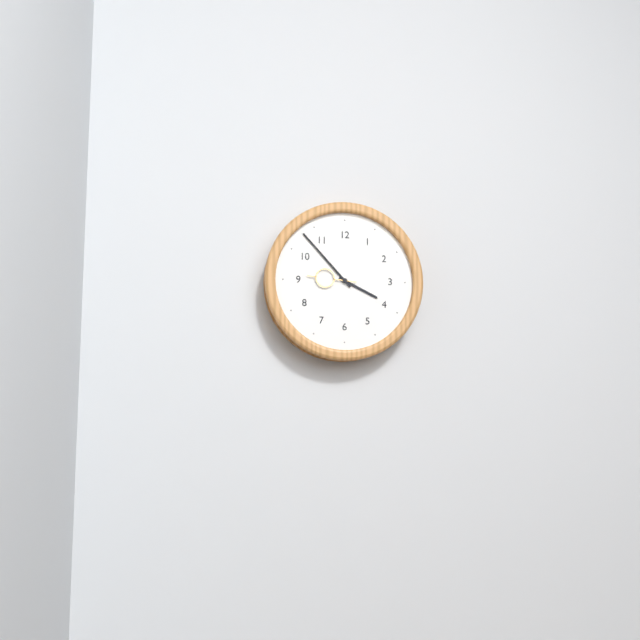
{"hour": 3, "minute": 53}
